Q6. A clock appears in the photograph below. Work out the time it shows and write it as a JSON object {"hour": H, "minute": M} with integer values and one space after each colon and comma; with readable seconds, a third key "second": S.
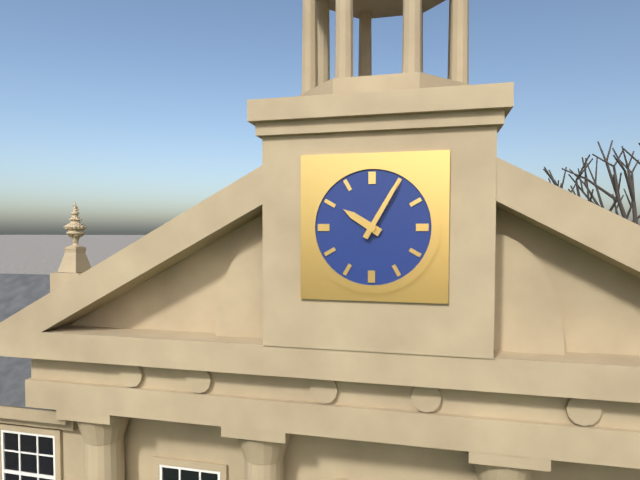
{"hour": 10, "minute": 5}
